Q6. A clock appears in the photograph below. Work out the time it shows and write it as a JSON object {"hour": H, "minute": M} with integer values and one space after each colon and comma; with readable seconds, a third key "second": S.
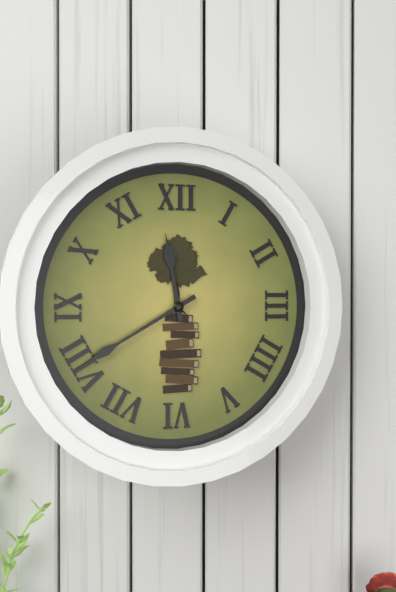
{"hour": 11, "minute": 40}
